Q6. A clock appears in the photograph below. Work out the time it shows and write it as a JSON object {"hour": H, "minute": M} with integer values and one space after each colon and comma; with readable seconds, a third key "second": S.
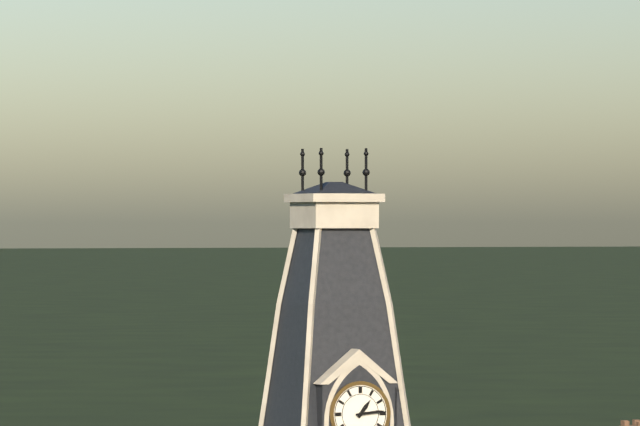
{"hour": 1, "minute": 14}
